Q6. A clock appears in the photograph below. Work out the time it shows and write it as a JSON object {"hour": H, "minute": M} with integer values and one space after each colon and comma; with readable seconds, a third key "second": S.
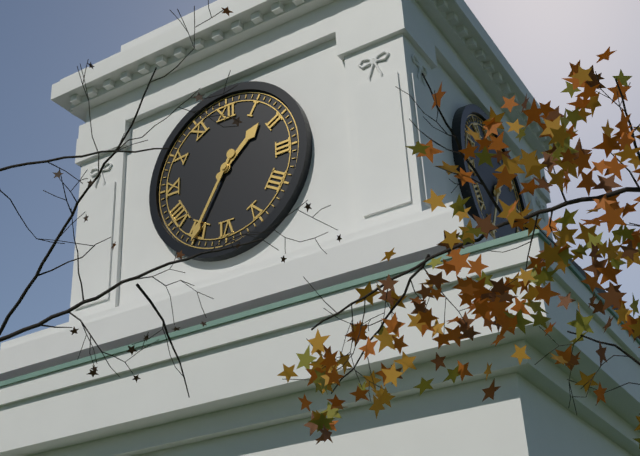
{"hour": 1, "minute": 35}
